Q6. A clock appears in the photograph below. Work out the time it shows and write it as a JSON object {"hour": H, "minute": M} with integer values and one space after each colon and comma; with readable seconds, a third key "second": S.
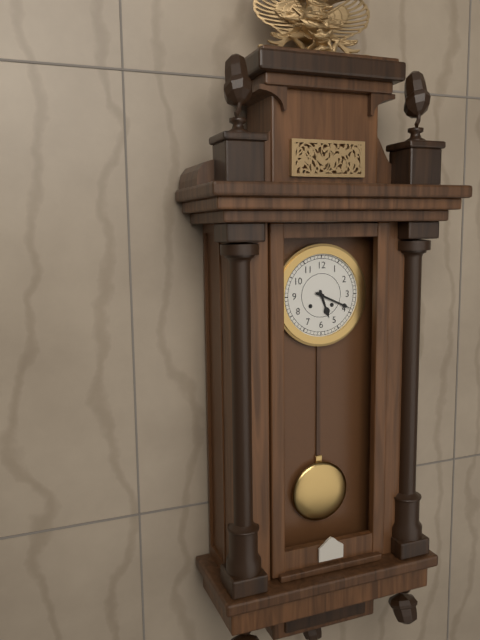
{"hour": 5, "minute": 19}
